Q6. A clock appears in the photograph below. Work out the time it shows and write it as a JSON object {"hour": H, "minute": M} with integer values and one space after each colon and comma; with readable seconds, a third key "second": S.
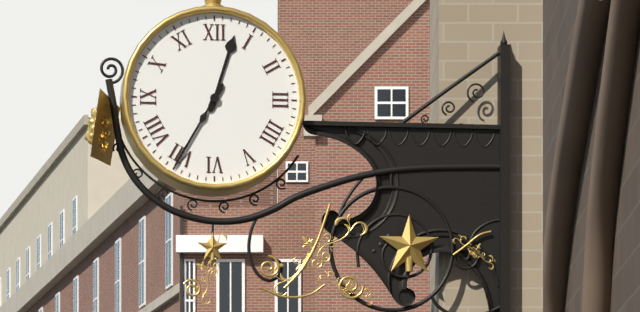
{"hour": 12, "minute": 35}
